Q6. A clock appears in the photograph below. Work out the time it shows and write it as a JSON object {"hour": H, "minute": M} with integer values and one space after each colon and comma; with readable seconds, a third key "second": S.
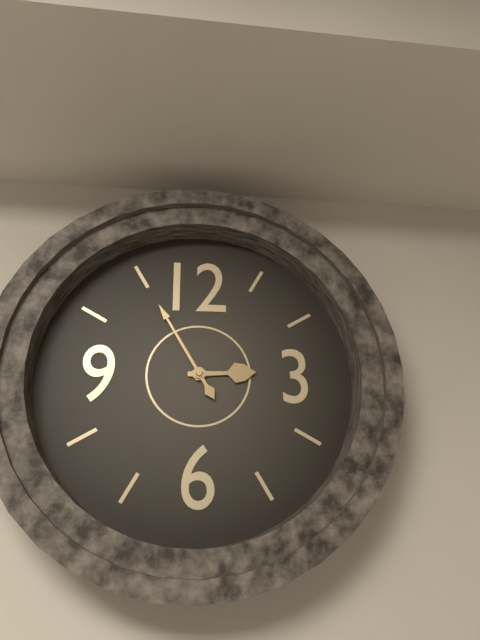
{"hour": 2, "minute": 55}
